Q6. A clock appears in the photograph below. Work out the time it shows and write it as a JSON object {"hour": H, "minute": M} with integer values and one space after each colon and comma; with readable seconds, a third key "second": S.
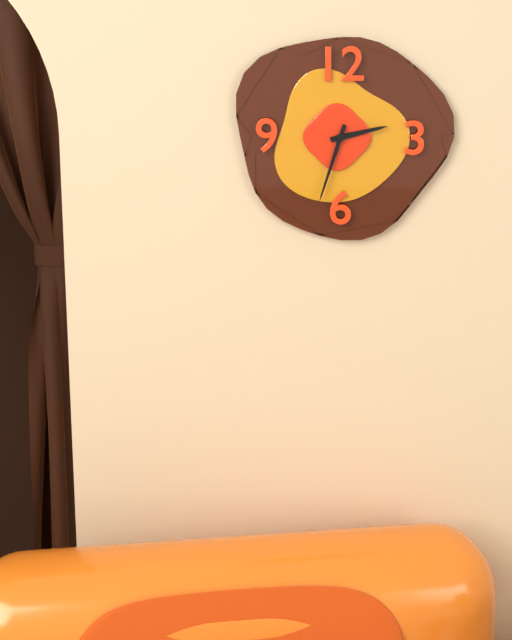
{"hour": 2, "minute": 33}
